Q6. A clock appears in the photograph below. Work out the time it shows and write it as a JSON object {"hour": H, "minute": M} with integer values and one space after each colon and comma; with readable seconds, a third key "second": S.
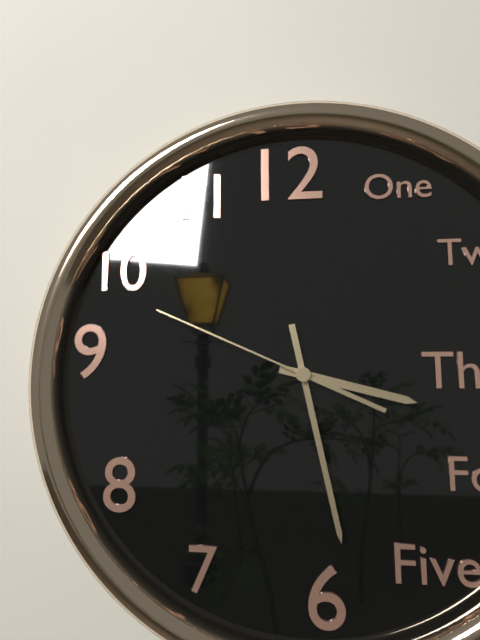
{"hour": 3, "minute": 28, "second": 49}
